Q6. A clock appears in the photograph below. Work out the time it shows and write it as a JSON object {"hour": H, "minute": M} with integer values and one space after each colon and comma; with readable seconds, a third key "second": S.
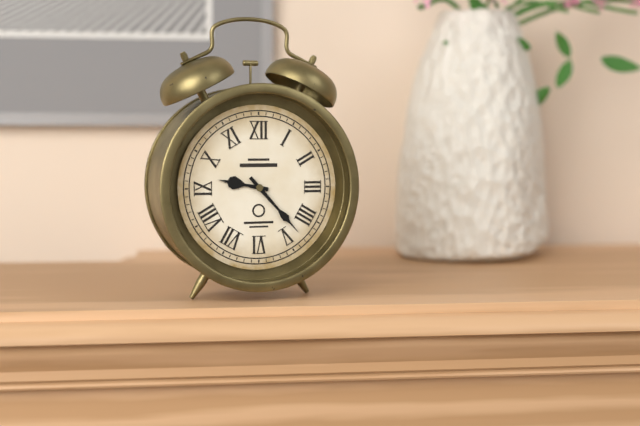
{"hour": 9, "minute": 23}
